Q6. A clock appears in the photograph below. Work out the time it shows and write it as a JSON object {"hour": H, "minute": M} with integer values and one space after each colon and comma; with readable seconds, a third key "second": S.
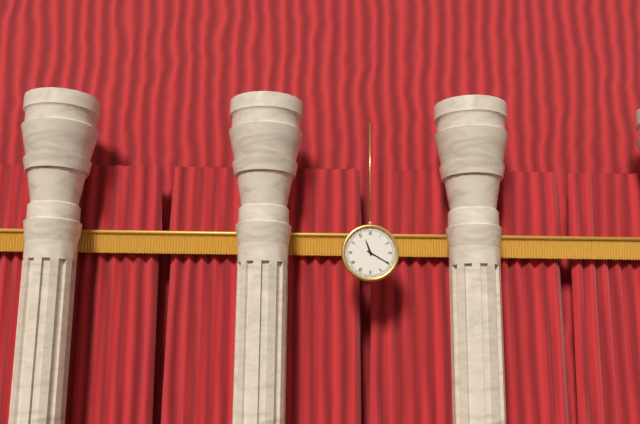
{"hour": 11, "minute": 20}
